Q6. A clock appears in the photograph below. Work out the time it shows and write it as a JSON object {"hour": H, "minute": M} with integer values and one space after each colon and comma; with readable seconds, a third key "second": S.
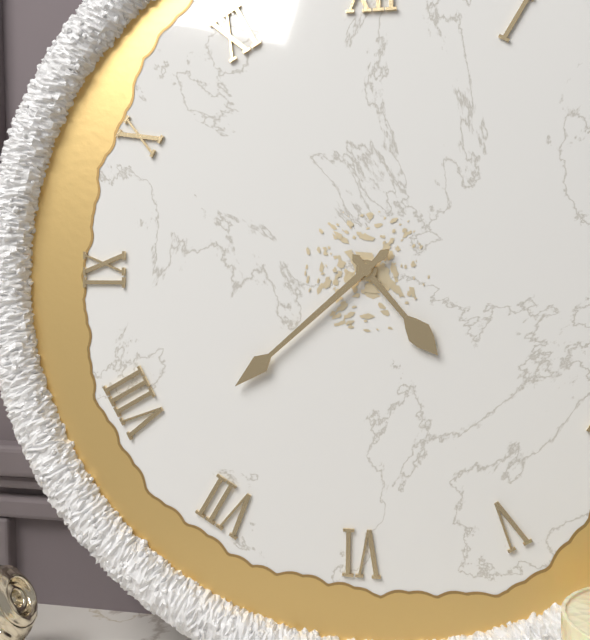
{"hour": 4, "minute": 38}
